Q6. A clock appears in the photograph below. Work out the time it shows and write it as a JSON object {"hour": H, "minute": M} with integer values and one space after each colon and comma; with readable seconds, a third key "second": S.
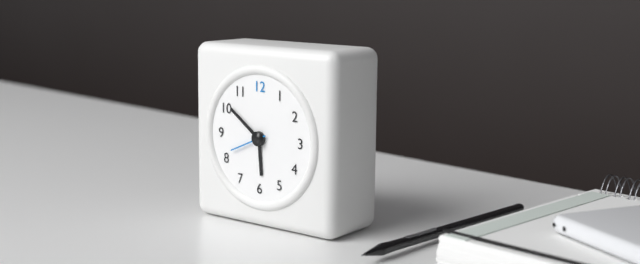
{"hour": 5, "minute": 51}
